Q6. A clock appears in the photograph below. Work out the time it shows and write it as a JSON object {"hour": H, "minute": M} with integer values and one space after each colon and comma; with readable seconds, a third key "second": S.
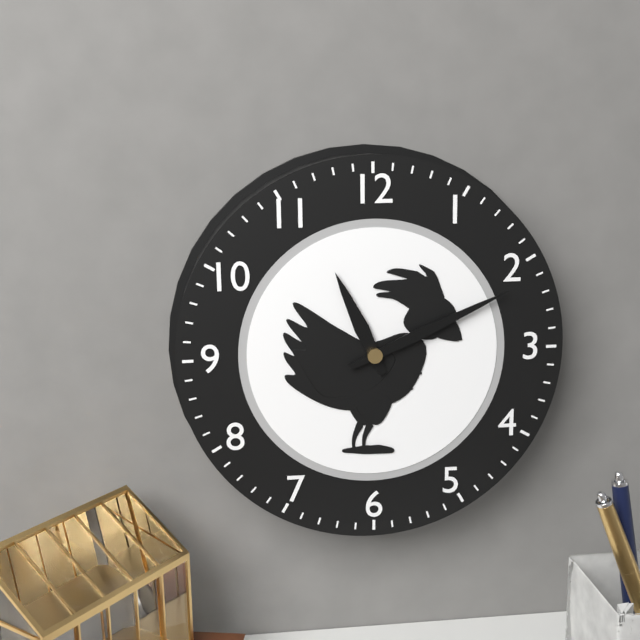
{"hour": 11, "minute": 11}
